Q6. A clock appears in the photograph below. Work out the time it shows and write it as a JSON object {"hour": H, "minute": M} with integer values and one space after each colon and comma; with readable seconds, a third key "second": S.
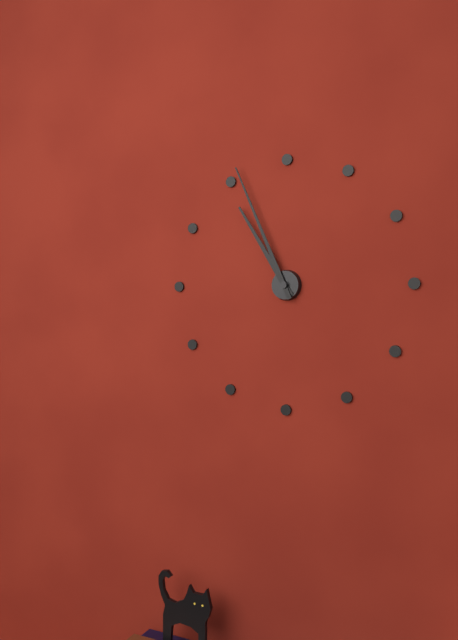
{"hour": 10, "minute": 56}
